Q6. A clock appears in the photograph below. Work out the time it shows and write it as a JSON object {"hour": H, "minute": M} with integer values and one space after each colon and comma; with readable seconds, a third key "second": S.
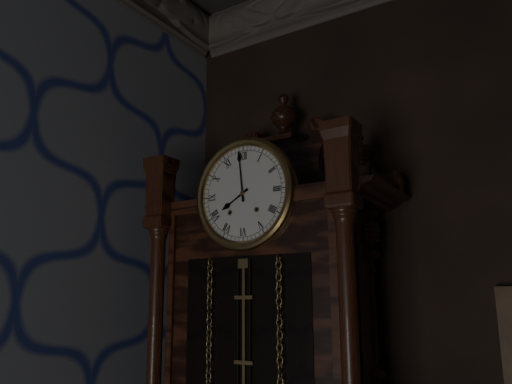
{"hour": 7, "minute": 59}
